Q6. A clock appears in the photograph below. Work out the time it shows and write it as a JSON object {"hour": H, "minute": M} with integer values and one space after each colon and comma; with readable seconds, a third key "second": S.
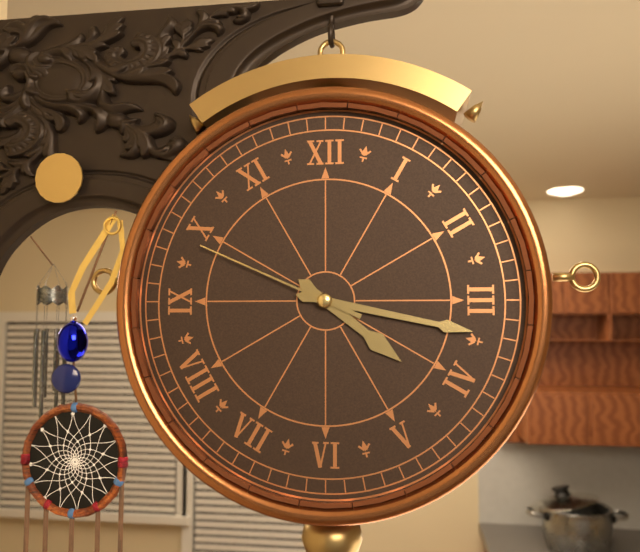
{"hour": 4, "minute": 17, "second": 49}
